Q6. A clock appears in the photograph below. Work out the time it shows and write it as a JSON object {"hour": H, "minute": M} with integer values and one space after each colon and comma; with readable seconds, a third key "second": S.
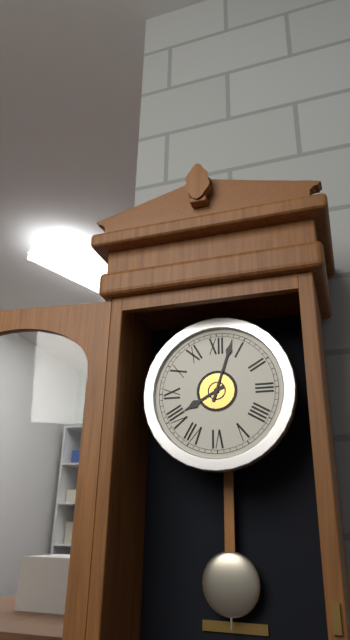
{"hour": 8, "minute": 3}
